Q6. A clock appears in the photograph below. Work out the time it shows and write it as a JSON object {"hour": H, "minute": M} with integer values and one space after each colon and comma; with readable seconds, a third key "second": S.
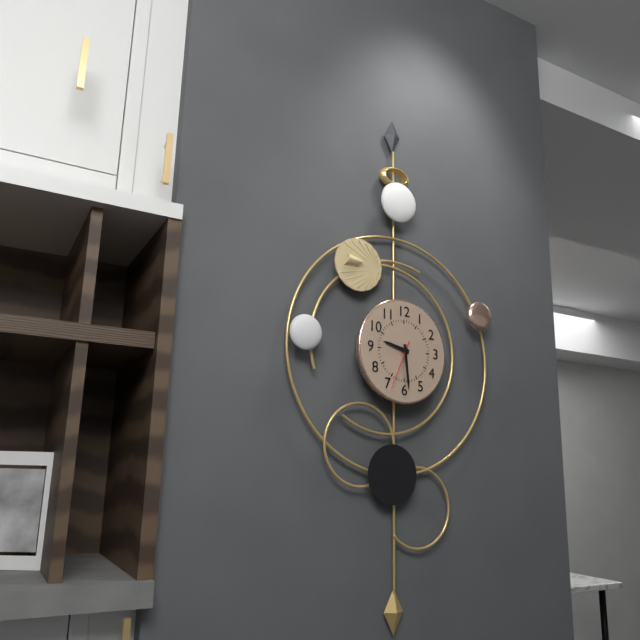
{"hour": 9, "minute": 29, "second": 34}
